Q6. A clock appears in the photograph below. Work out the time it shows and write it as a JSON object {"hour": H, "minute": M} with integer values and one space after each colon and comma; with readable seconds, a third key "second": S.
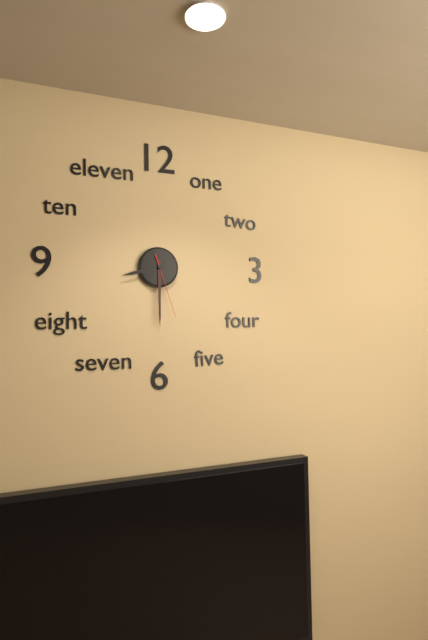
{"hour": 8, "minute": 30, "second": 27}
